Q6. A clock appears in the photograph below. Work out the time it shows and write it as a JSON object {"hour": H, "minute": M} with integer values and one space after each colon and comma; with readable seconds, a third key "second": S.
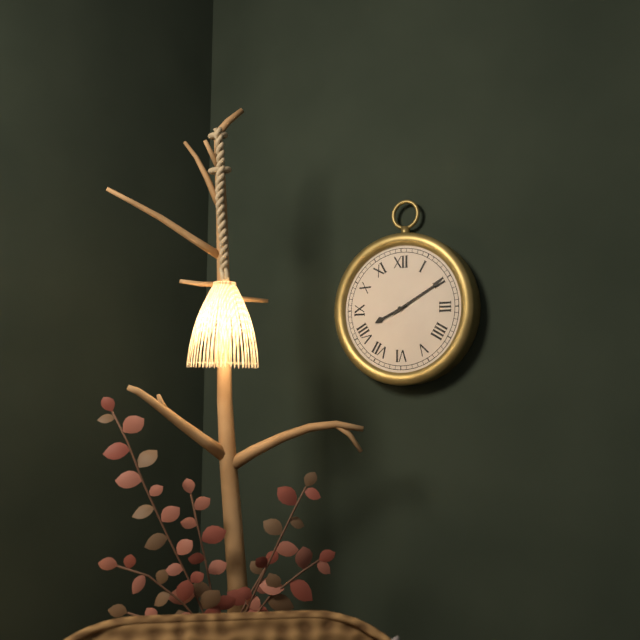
{"hour": 8, "minute": 10}
